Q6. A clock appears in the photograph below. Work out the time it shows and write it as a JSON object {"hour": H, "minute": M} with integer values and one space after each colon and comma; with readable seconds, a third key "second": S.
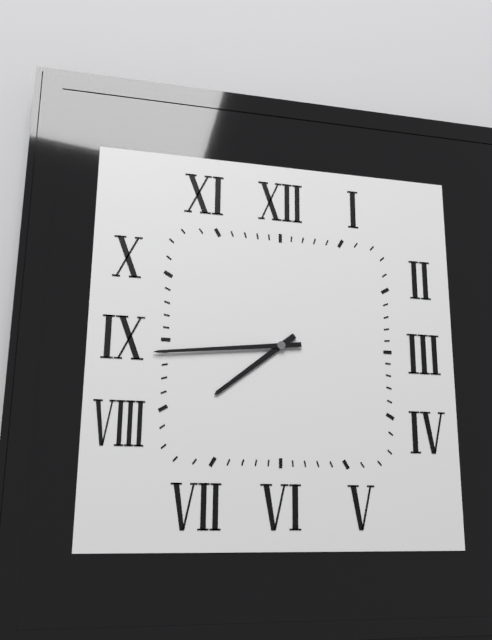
{"hour": 7, "minute": 44}
